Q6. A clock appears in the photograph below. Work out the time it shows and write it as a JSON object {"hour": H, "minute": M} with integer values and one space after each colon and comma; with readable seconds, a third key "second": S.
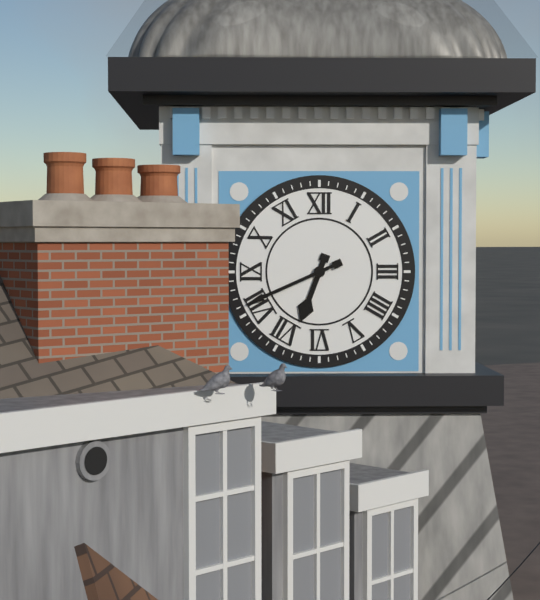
{"hour": 6, "minute": 41}
